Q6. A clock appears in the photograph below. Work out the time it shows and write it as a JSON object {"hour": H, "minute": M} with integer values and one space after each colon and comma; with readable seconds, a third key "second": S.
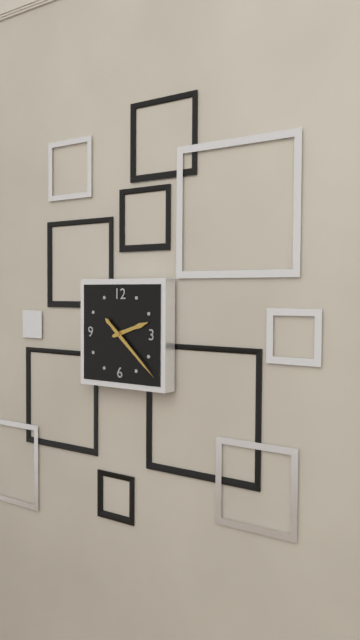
{"hour": 2, "minute": 22}
